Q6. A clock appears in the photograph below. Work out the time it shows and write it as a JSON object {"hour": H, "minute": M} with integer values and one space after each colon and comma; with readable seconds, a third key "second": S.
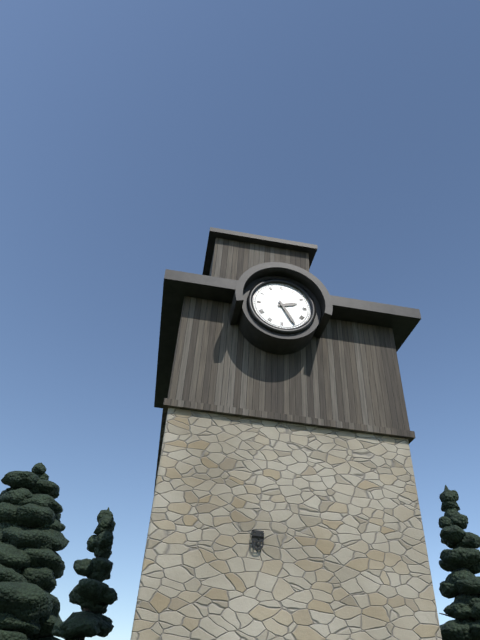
{"hour": 2, "minute": 25}
